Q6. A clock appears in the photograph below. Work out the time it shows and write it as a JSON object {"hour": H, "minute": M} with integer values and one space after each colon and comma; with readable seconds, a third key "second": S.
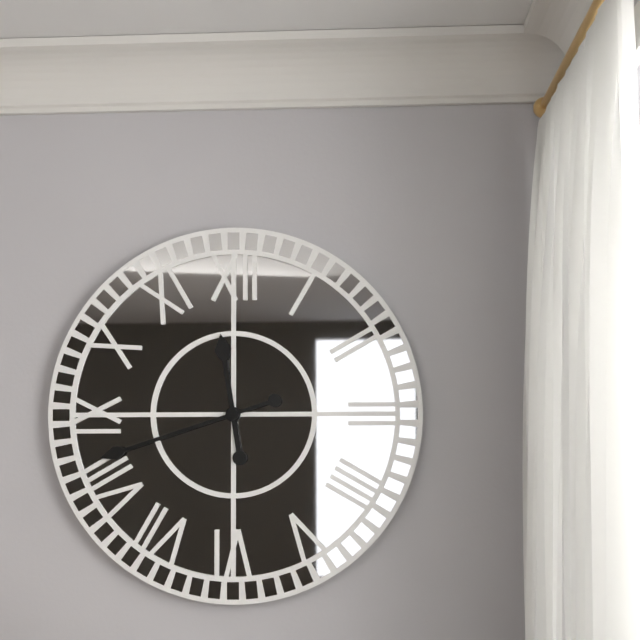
{"hour": 11, "minute": 42}
